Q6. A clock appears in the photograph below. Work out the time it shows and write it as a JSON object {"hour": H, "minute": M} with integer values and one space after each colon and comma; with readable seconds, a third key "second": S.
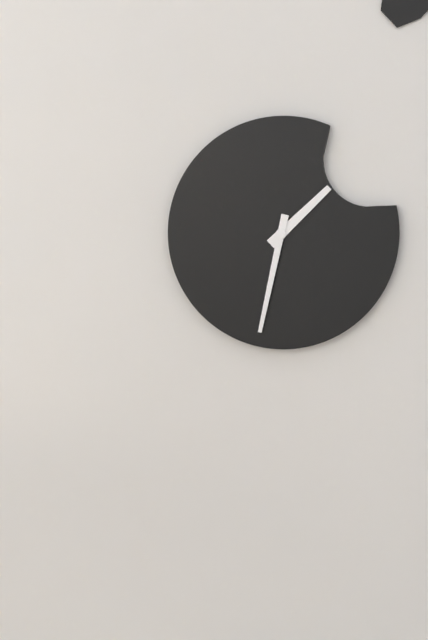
{"hour": 1, "minute": 32}
